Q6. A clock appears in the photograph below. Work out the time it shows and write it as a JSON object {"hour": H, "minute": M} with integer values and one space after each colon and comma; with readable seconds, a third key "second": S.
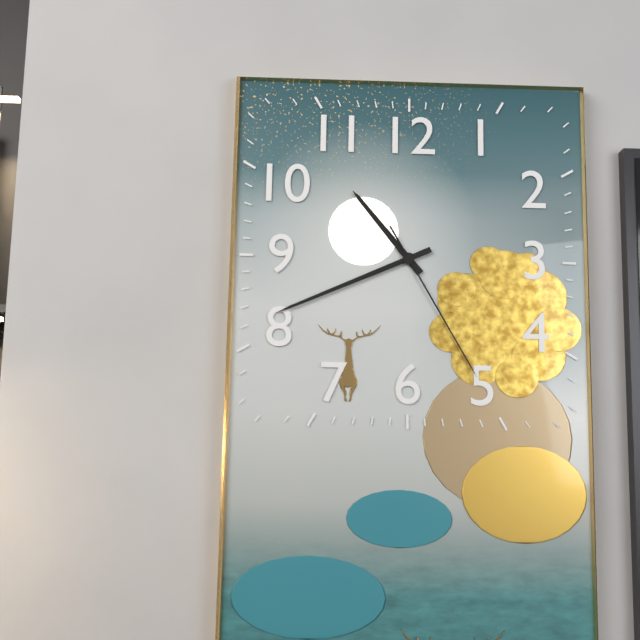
{"hour": 10, "minute": 41, "second": 25}
